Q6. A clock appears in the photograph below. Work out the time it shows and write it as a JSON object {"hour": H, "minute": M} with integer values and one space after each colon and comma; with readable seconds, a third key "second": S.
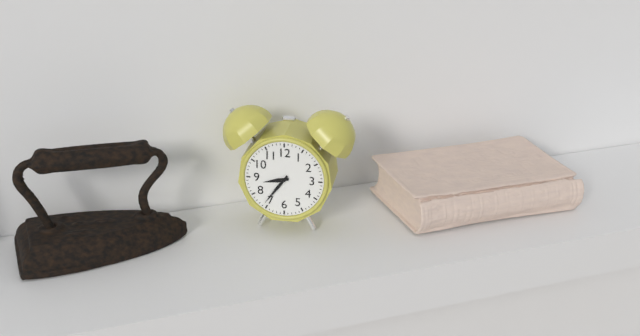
{"hour": 8, "minute": 36}
